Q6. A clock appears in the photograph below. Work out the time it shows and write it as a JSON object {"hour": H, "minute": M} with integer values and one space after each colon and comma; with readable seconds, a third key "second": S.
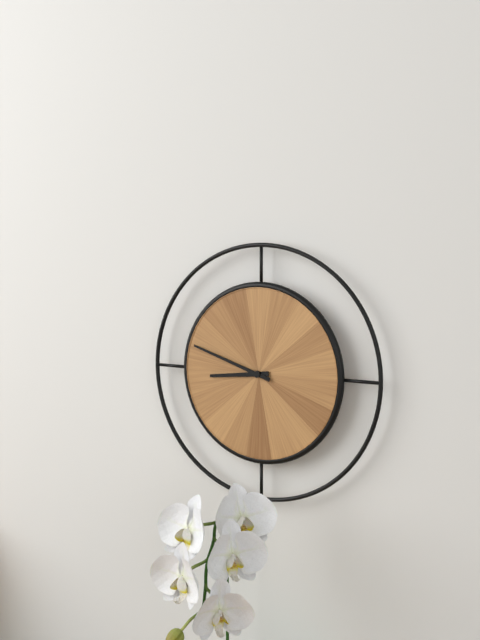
{"hour": 8, "minute": 48}
